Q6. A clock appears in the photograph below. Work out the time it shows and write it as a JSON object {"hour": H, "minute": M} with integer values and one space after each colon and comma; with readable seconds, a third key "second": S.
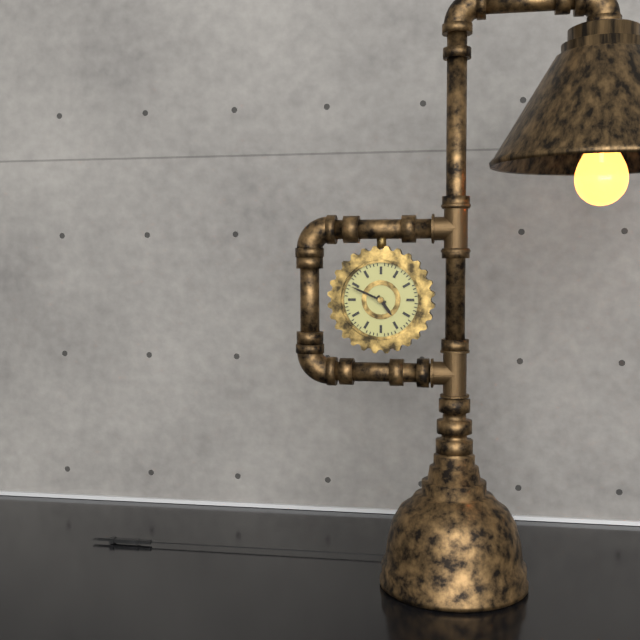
{"hour": 4, "minute": 49}
